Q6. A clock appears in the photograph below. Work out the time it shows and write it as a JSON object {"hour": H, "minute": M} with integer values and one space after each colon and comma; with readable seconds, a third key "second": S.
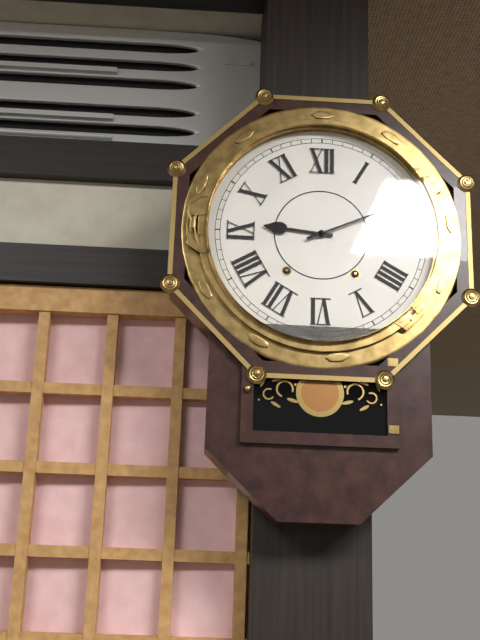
{"hour": 9, "minute": 11}
